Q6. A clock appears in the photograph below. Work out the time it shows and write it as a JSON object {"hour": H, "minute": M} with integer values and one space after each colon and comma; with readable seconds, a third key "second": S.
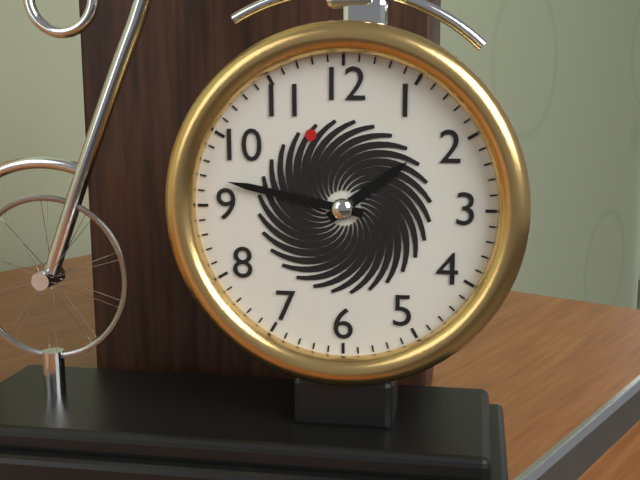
{"hour": 1, "minute": 47}
